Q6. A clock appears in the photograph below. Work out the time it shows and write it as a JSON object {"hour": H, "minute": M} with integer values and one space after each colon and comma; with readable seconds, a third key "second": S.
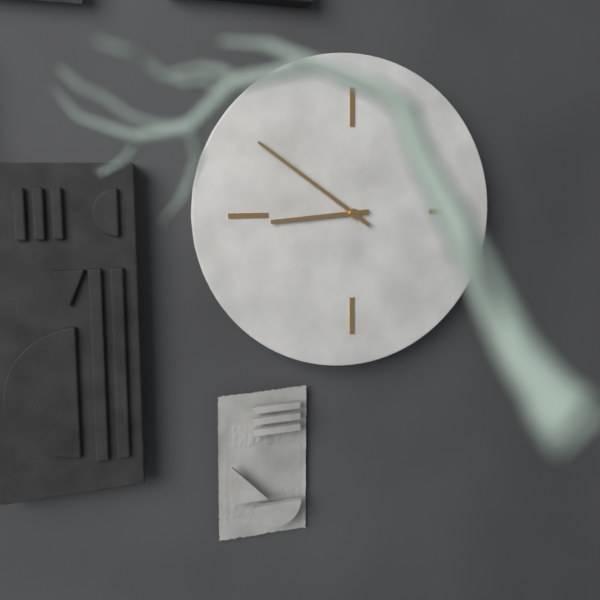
{"hour": 8, "minute": 51}
